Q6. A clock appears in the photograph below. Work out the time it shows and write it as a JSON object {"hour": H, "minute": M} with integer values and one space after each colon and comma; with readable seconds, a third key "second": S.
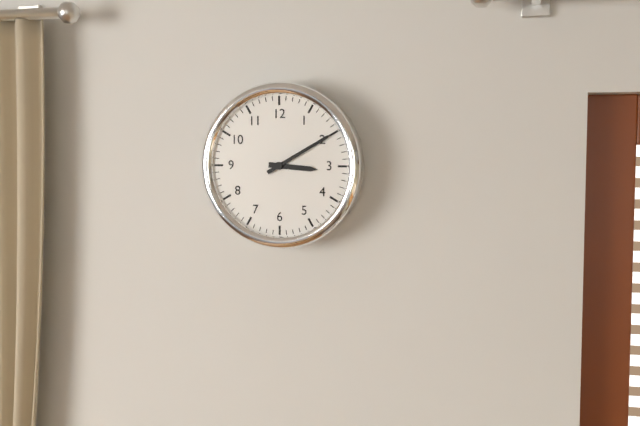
{"hour": 3, "minute": 10}
